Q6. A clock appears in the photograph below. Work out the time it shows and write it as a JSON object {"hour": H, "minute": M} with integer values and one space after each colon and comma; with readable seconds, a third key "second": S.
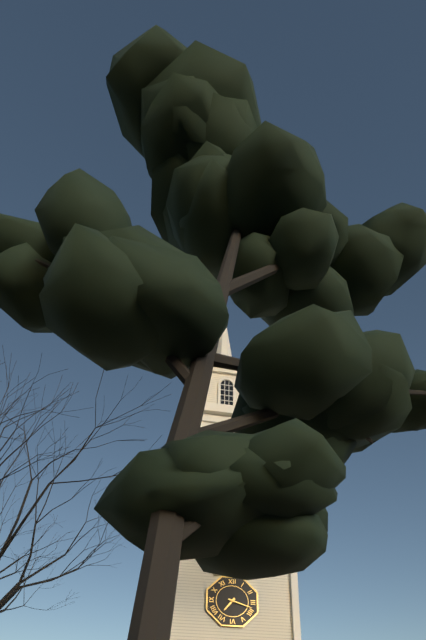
{"hour": 7, "minute": 18}
